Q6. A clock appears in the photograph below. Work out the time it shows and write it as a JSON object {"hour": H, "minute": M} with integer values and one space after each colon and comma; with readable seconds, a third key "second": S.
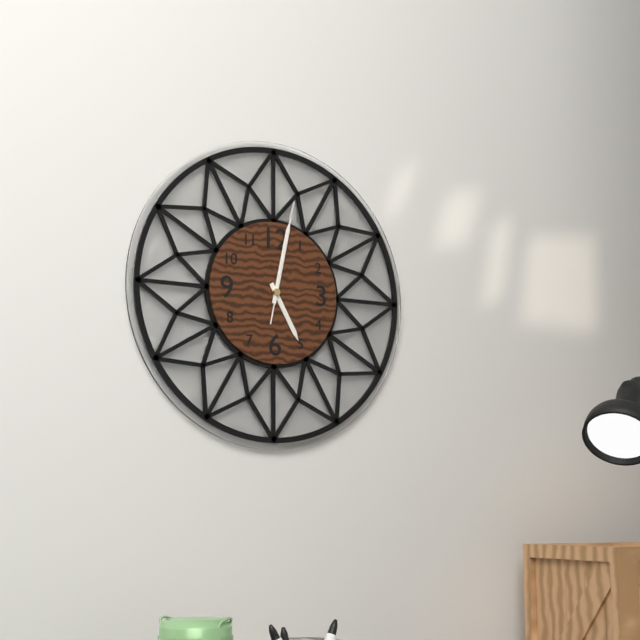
{"hour": 5, "minute": 2, "second": 2}
